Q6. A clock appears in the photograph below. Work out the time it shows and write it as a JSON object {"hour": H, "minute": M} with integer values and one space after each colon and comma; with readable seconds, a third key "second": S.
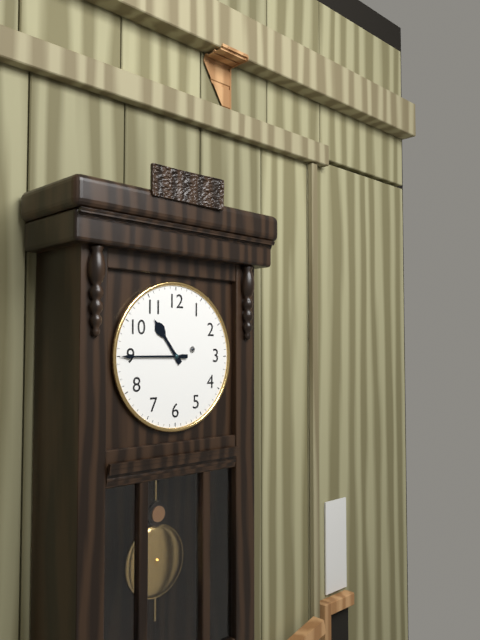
{"hour": 10, "minute": 45}
